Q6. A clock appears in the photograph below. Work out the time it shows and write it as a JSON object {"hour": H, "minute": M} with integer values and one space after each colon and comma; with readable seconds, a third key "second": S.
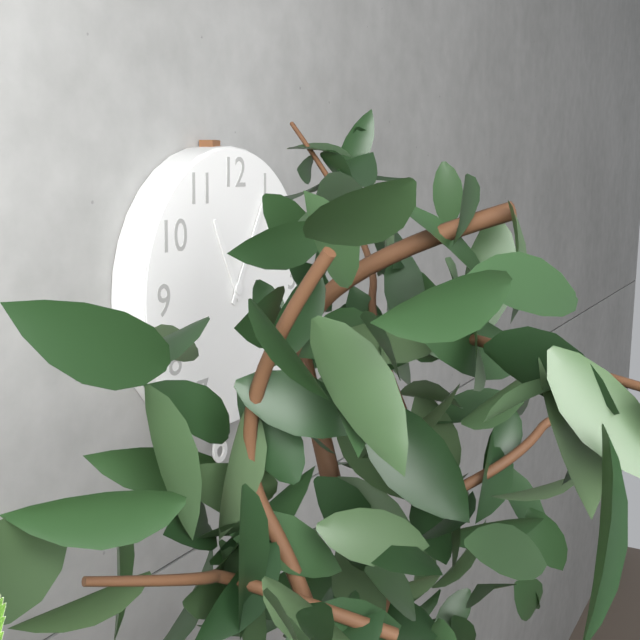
{"hour": 11, "minute": 5}
